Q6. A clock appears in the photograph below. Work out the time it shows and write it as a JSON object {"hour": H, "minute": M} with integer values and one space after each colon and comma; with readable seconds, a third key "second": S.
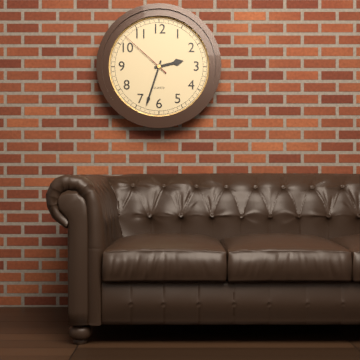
{"hour": 2, "minute": 33, "second": 52}
